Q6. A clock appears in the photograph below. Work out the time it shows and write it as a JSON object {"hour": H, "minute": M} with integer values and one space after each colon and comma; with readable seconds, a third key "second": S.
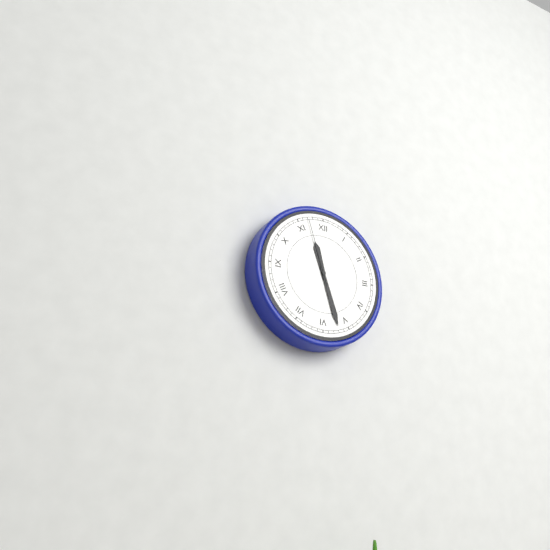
{"hour": 11, "minute": 27, "second": 57}
